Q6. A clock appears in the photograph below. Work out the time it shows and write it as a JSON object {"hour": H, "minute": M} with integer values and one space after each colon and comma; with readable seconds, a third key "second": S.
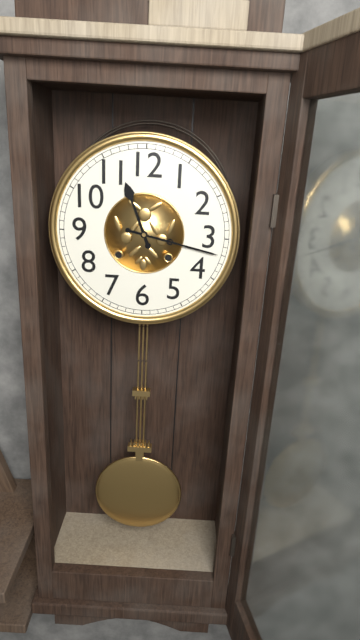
{"hour": 11, "minute": 17}
